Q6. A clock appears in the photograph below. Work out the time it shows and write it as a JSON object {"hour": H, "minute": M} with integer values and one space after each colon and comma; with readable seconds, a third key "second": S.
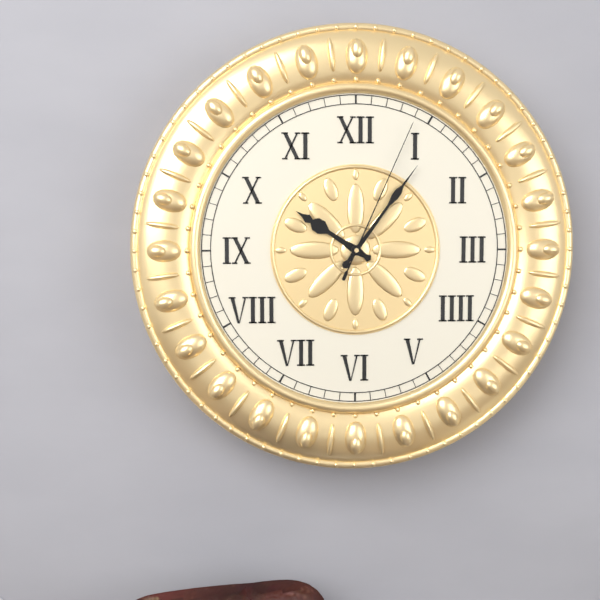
{"hour": 10, "minute": 6, "second": 4}
